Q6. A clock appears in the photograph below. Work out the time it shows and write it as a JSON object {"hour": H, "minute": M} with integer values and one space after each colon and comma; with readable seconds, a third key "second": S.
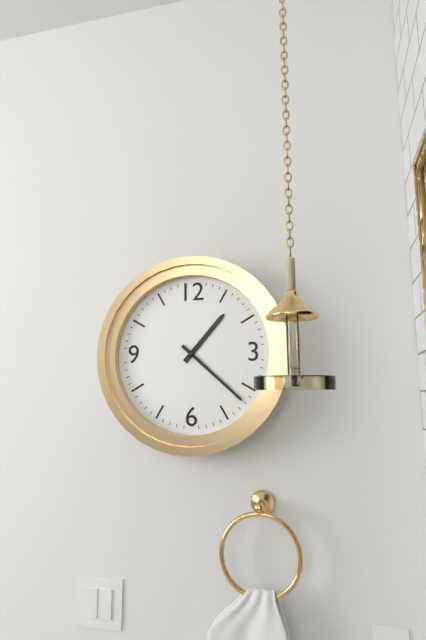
{"hour": 1, "minute": 22}
